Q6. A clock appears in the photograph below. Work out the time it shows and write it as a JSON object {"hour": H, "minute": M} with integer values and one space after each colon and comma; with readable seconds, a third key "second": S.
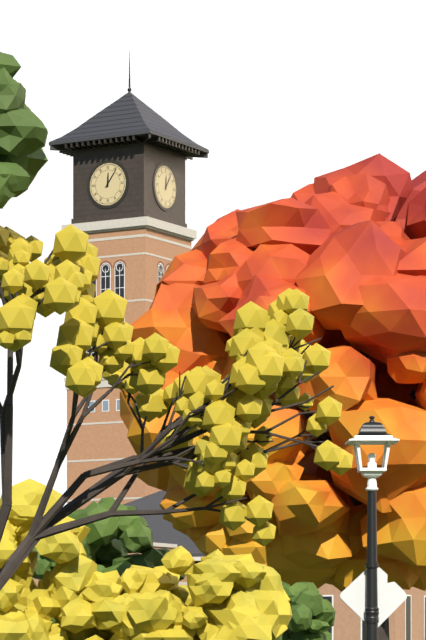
{"hour": 12, "minute": 6}
